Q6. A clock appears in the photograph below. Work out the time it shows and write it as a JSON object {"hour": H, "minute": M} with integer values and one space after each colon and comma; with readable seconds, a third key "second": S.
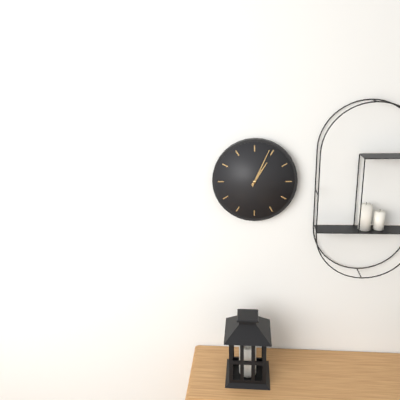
{"hour": 1, "minute": 4}
